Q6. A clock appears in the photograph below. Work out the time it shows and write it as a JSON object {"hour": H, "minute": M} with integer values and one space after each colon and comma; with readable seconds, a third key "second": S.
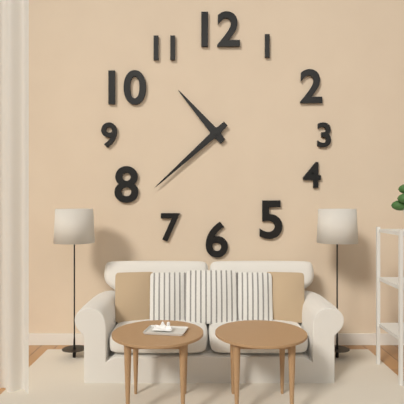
{"hour": 10, "minute": 38}
